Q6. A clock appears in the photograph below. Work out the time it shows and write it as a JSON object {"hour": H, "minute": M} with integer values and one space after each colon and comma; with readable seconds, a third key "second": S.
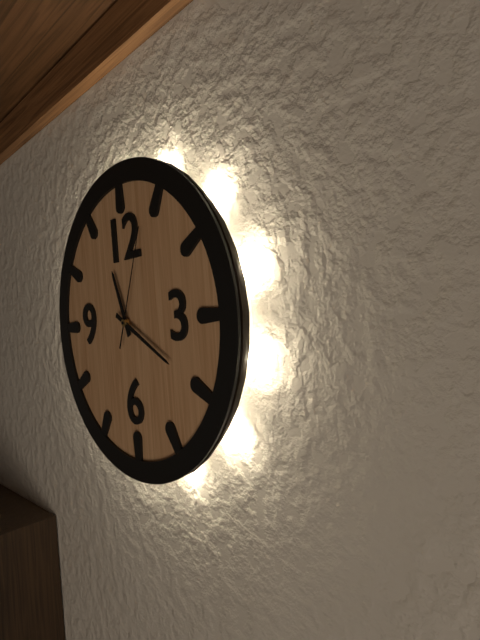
{"hour": 11, "minute": 20, "second": 4}
